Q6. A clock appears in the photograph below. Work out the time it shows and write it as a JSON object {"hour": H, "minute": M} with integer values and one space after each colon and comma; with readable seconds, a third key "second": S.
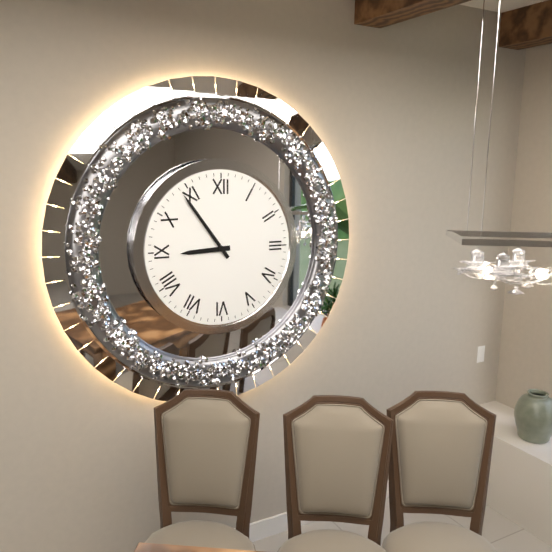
{"hour": 8, "minute": 54}
